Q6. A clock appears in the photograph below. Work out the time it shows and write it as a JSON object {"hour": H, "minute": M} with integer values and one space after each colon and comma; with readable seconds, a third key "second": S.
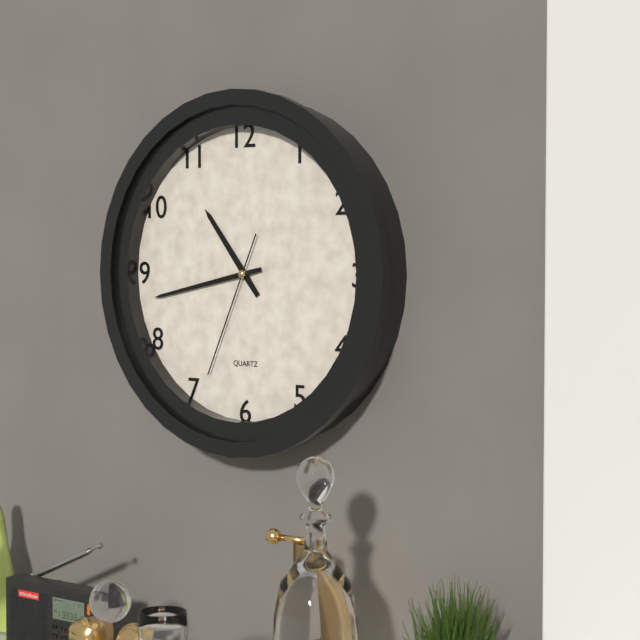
{"hour": 10, "minute": 43, "second": 34}
